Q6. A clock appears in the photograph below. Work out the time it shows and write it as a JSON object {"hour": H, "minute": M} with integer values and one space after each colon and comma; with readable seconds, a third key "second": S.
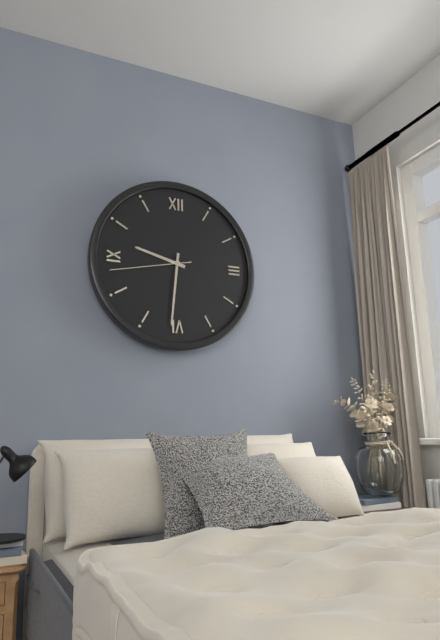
{"hour": 9, "minute": 31, "second": 43}
